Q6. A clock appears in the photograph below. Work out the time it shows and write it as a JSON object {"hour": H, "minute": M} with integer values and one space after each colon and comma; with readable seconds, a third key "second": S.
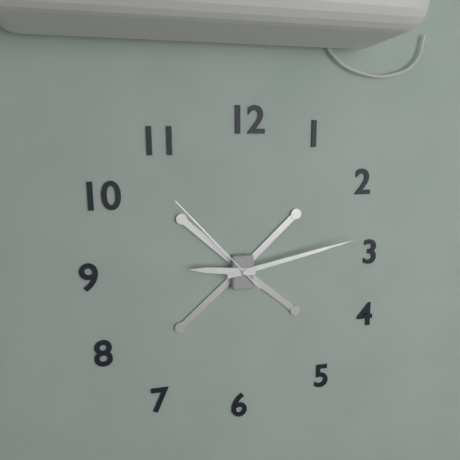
{"hour": 9, "minute": 13, "second": 53}
